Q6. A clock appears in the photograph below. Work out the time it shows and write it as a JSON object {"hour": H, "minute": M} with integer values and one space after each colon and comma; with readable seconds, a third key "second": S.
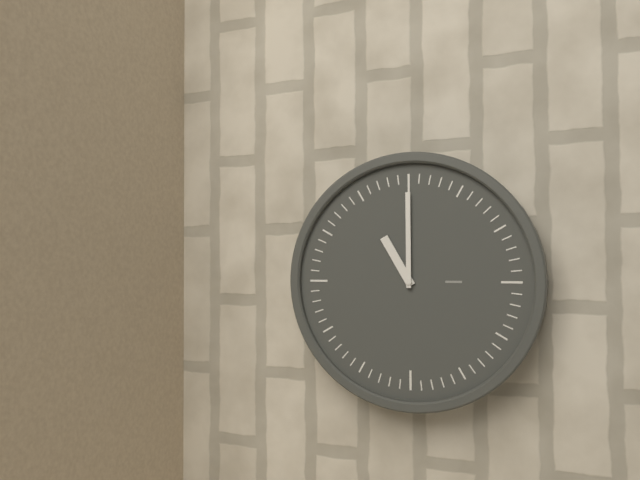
{"hour": 11, "minute": 0}
